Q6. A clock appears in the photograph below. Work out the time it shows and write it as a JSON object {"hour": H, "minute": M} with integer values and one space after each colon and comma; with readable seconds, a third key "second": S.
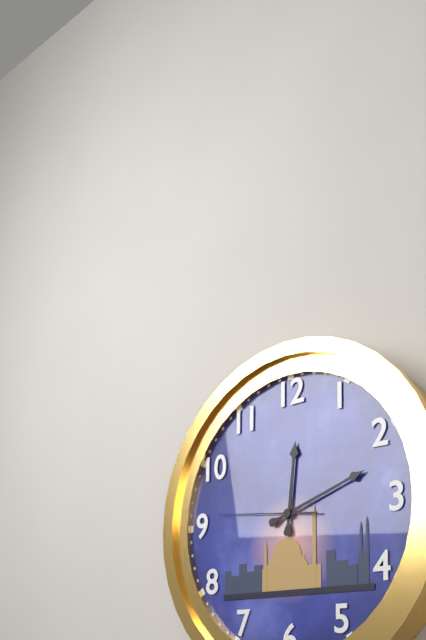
{"hour": 12, "minute": 12, "second": 46}
